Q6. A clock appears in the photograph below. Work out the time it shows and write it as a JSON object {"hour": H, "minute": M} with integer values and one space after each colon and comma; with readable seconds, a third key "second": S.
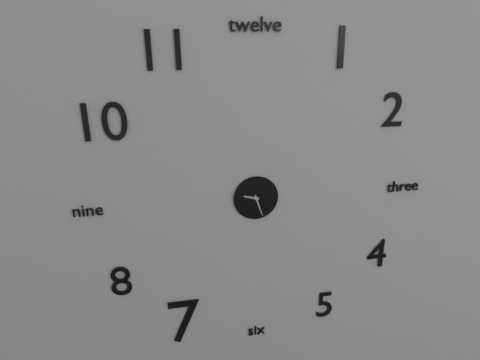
{"hour": 9, "minute": 27}
